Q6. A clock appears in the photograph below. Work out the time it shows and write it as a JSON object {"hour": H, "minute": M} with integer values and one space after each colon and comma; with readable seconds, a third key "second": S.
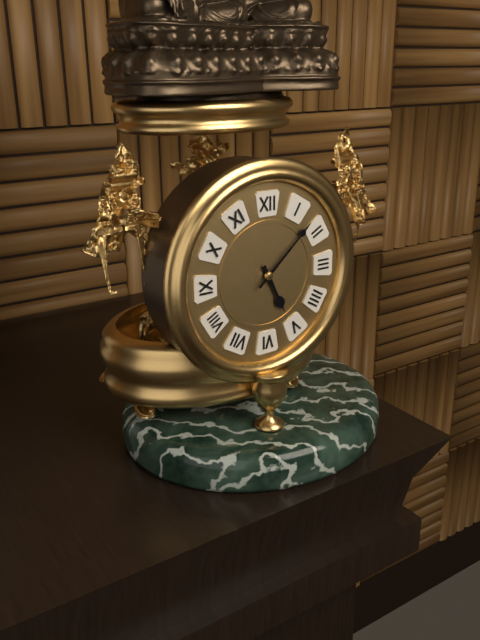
{"hour": 5, "minute": 8}
